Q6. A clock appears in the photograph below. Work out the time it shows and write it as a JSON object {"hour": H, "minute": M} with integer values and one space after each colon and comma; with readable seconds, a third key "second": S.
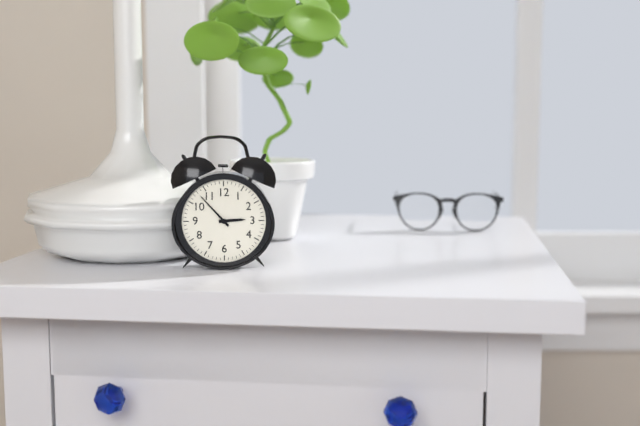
{"hour": 2, "minute": 53}
